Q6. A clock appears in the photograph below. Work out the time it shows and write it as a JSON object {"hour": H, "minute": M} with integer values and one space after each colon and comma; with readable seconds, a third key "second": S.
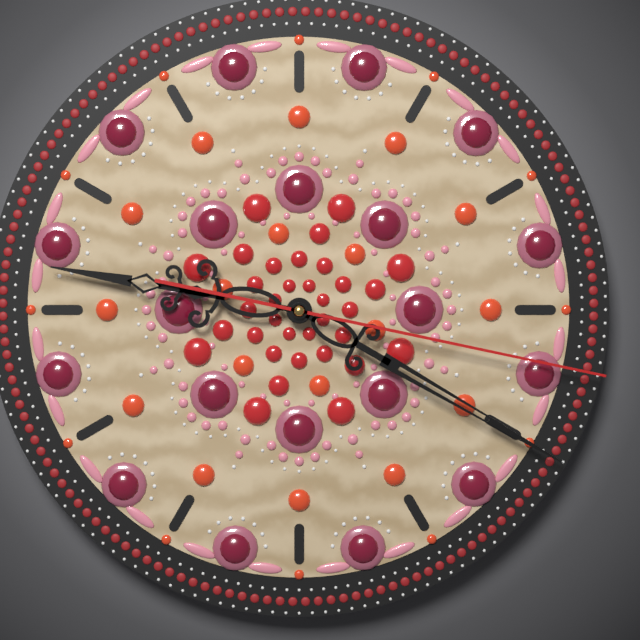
{"hour": 9, "minute": 20, "second": 17}
